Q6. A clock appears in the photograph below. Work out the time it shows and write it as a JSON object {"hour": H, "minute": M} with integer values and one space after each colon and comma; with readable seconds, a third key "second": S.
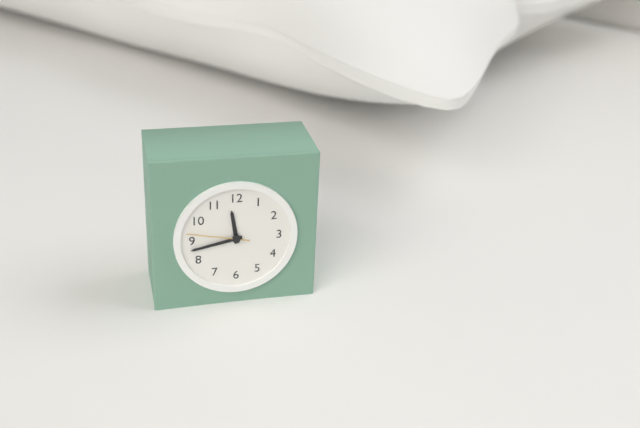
{"hour": 11, "minute": 43, "second": 47}
